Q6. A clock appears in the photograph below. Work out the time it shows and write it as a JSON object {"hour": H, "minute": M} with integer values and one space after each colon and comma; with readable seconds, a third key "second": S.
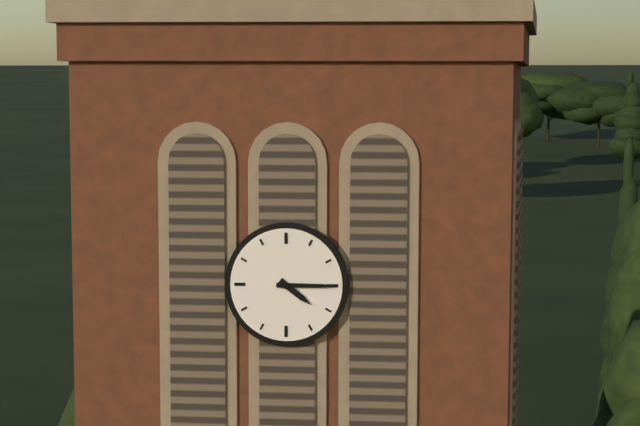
{"hour": 4, "minute": 15}
